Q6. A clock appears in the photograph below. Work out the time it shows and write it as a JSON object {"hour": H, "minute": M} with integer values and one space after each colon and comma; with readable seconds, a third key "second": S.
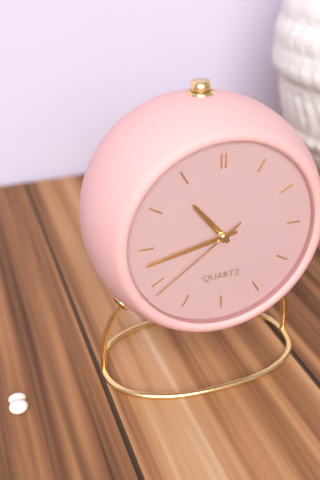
{"hour": 10, "minute": 43, "second": 39}
